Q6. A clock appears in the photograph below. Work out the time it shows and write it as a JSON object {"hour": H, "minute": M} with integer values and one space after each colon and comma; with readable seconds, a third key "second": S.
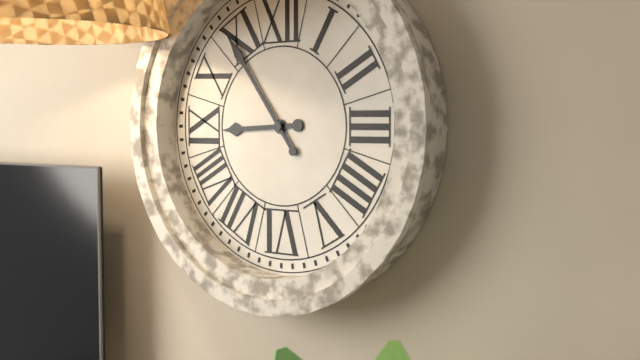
{"hour": 8, "minute": 54}
